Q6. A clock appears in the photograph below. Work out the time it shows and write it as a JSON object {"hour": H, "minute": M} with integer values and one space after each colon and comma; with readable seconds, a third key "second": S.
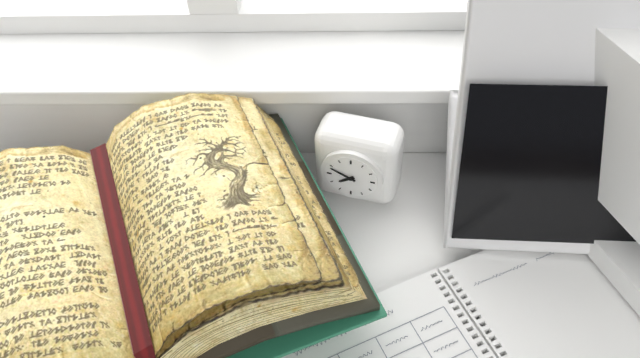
{"hour": 7, "minute": 49}
